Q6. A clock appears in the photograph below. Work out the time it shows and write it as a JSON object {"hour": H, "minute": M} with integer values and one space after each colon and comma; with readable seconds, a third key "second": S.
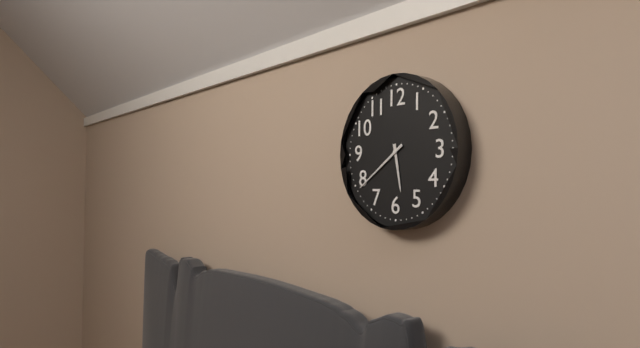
{"hour": 5, "minute": 39}
